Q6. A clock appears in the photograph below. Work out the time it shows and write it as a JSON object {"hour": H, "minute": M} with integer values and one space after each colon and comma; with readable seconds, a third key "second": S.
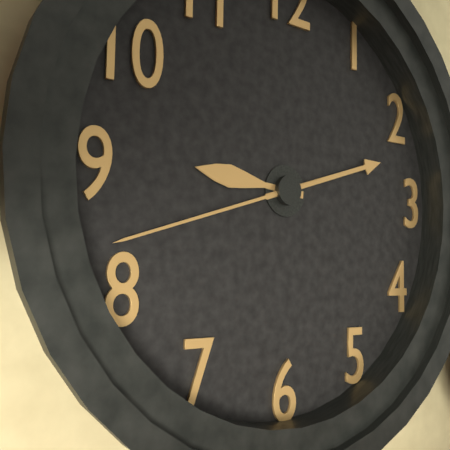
{"hour": 9, "minute": 12, "second": 42}
